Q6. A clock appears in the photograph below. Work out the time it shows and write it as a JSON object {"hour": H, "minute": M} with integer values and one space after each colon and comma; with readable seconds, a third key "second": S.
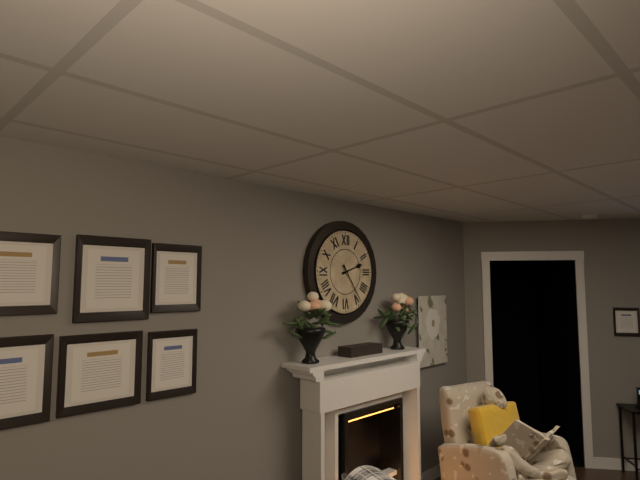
{"hour": 2, "minute": 24}
